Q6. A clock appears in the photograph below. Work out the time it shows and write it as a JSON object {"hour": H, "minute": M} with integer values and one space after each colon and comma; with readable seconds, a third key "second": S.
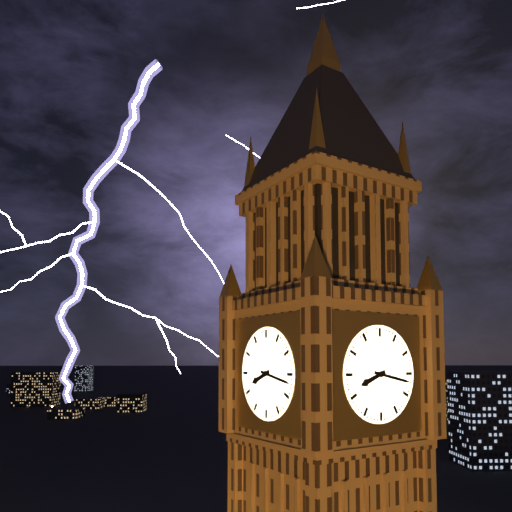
{"hour": 8, "minute": 17}
